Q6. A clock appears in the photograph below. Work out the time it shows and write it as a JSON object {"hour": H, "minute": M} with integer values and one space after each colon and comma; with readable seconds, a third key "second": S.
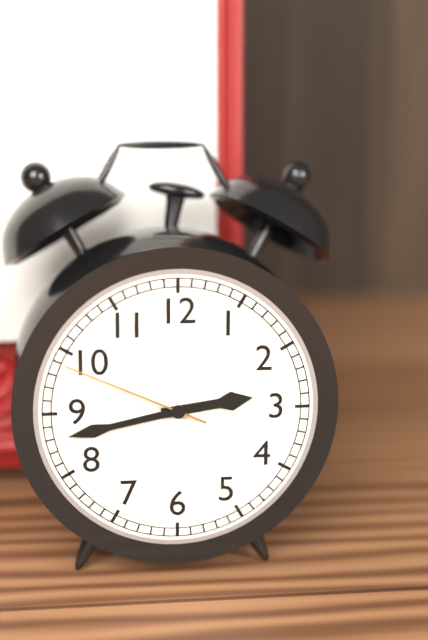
{"hour": 2, "minute": 43, "second": 49}
